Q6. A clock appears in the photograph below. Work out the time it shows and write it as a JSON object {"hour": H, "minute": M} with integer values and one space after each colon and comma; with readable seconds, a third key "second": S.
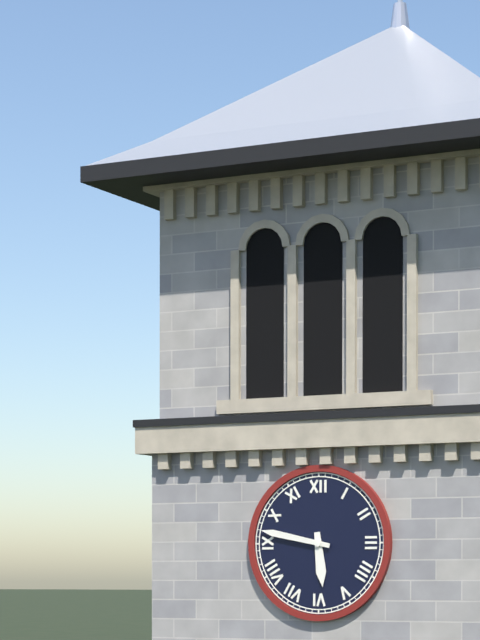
{"hour": 5, "minute": 47}
